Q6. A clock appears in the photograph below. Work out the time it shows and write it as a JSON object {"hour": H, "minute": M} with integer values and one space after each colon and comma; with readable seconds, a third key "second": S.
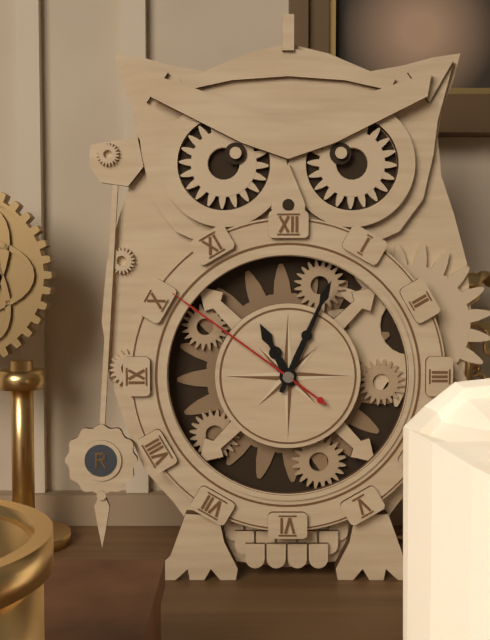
{"hour": 11, "minute": 4, "second": 51}
